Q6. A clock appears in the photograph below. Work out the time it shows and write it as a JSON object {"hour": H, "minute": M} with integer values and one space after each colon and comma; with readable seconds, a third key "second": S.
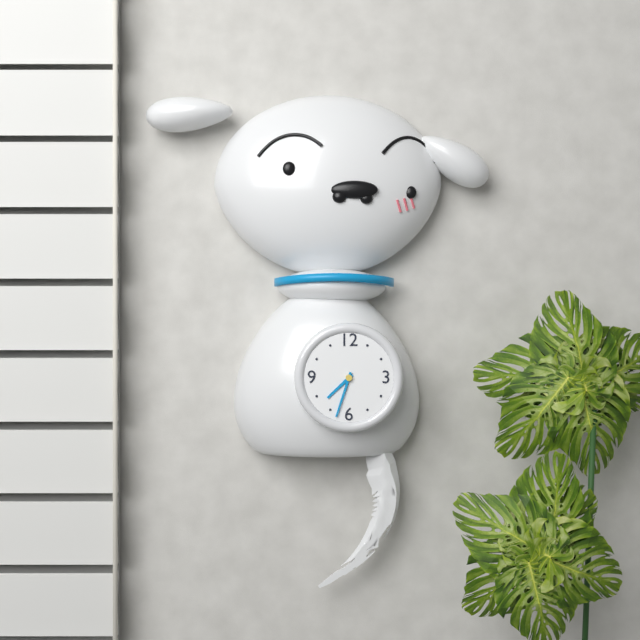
{"hour": 7, "minute": 33}
